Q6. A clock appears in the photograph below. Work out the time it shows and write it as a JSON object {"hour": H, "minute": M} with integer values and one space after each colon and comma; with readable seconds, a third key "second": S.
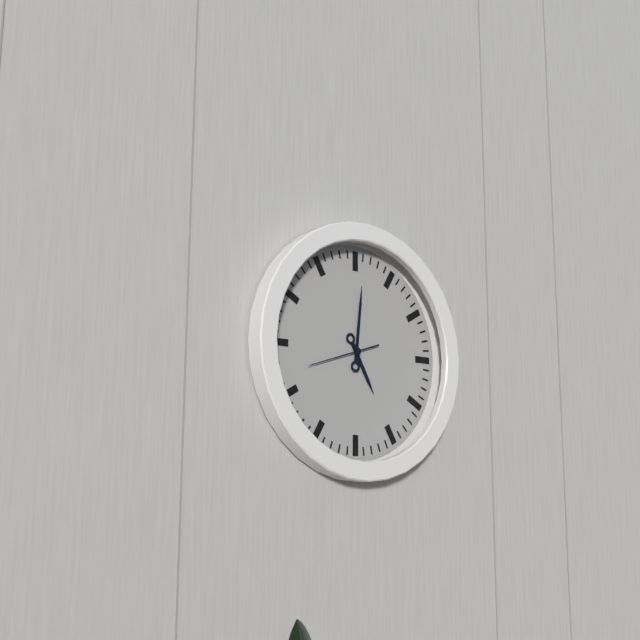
{"hour": 5, "minute": 1, "second": 42}
